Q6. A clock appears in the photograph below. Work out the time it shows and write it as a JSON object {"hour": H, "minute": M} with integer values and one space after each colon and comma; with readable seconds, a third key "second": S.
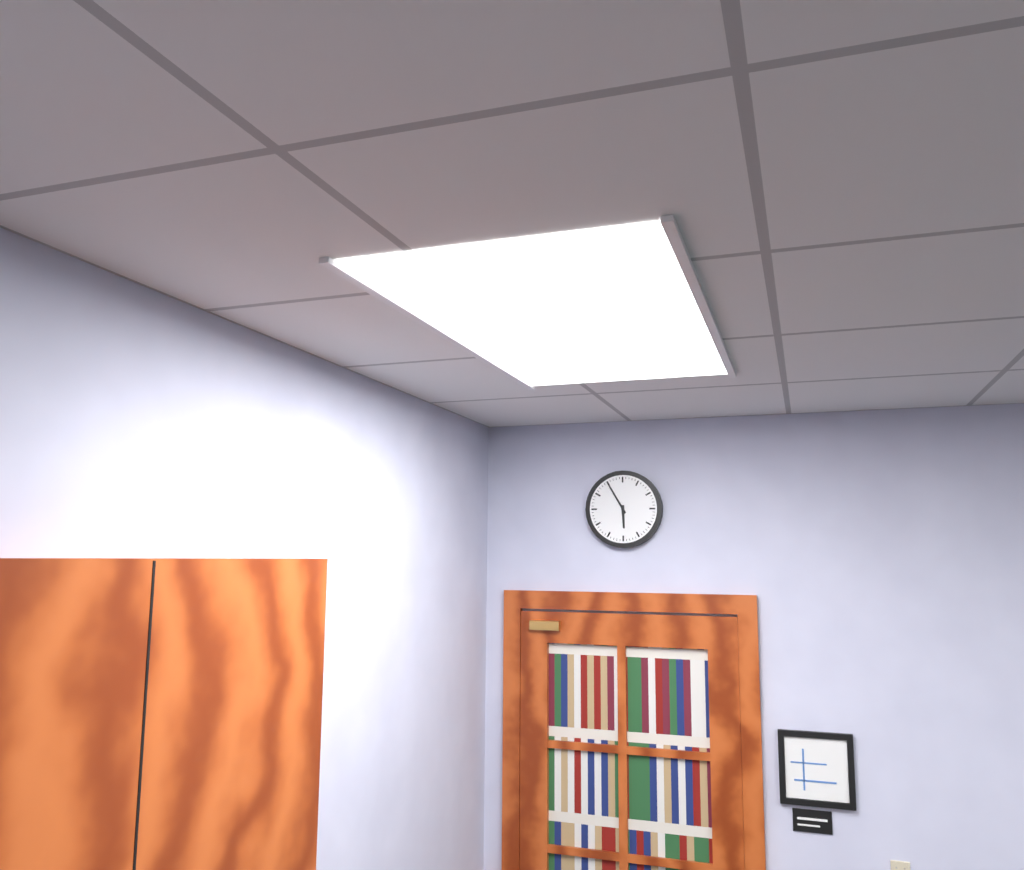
{"hour": 5, "minute": 55}
